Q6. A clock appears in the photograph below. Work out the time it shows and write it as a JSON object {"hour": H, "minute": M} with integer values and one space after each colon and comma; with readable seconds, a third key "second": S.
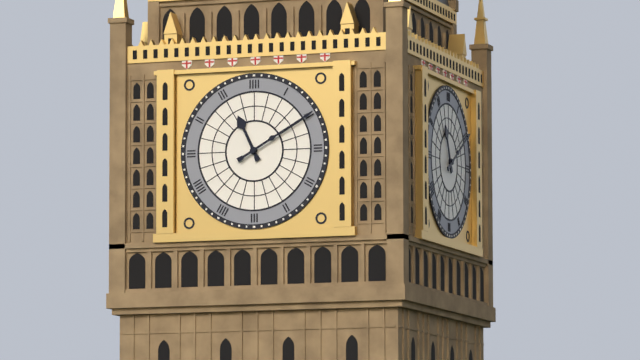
{"hour": 11, "minute": 10}
